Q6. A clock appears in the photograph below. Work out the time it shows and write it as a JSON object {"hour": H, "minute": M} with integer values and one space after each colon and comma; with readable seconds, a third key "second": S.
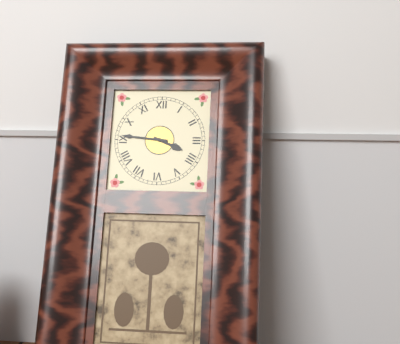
{"hour": 3, "minute": 46}
